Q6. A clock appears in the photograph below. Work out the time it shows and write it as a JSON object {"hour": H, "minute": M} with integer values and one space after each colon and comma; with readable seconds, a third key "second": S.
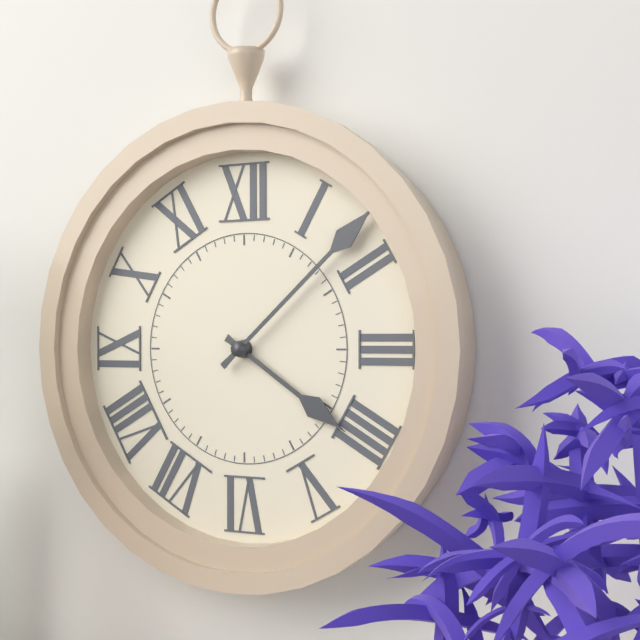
{"hour": 4, "minute": 8}
